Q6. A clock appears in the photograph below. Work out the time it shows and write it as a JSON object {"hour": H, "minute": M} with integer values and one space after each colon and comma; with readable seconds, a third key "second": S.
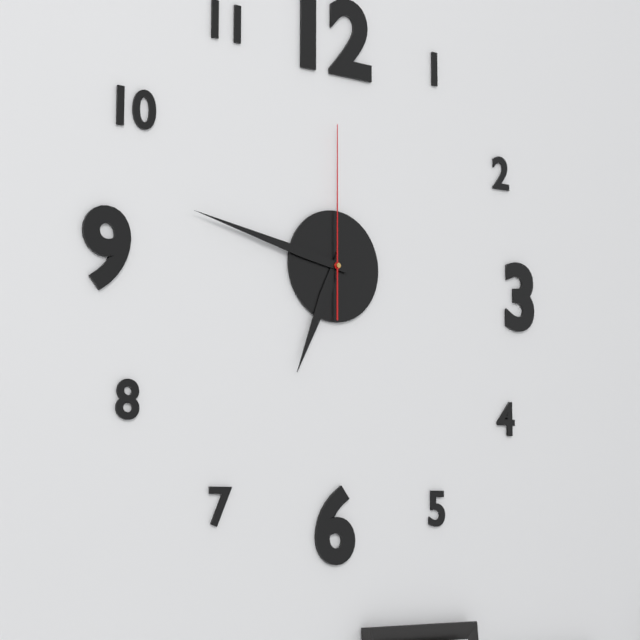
{"hour": 6, "minute": 47, "second": 0}
